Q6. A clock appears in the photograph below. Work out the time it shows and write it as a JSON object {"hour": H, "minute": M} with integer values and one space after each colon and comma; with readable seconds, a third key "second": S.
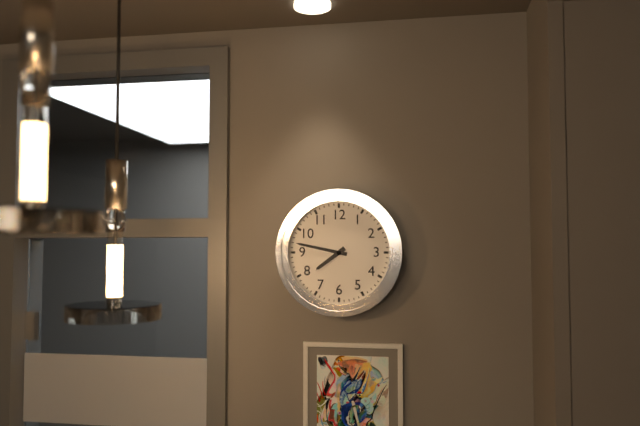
{"hour": 7, "minute": 47}
